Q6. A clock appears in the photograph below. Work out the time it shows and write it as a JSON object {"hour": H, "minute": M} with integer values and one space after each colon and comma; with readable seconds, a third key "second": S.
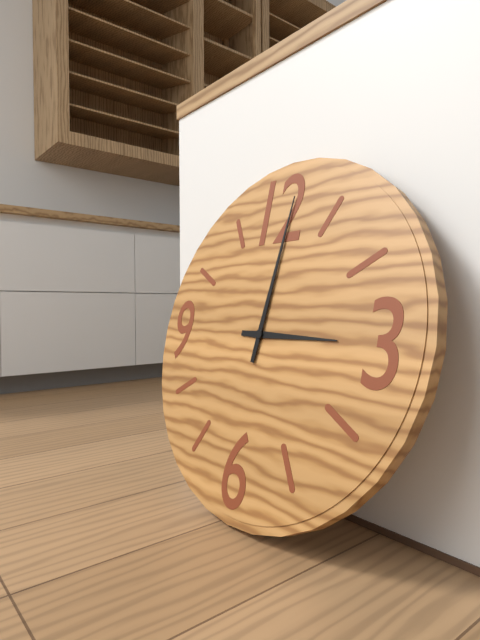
{"hour": 3, "minute": 1}
